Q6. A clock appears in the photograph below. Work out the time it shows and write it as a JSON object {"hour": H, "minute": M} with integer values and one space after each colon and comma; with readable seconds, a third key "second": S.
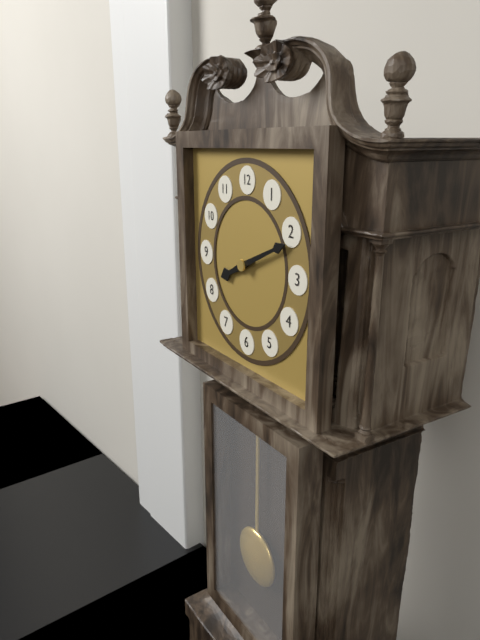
{"hour": 8, "minute": 11}
